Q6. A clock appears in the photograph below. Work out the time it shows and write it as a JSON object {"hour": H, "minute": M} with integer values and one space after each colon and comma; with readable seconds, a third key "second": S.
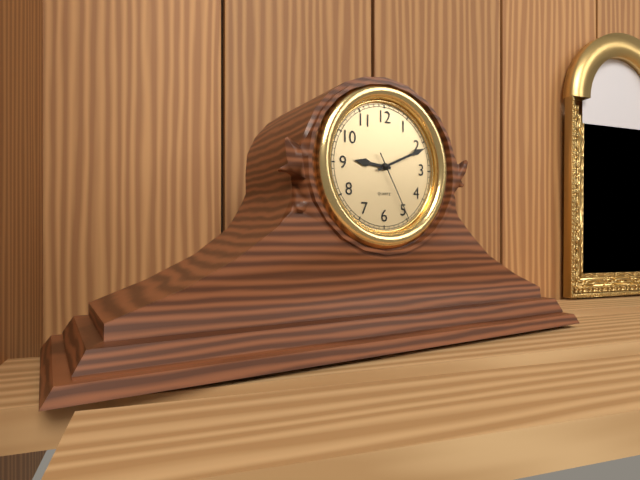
{"hour": 9, "minute": 11, "second": 25}
